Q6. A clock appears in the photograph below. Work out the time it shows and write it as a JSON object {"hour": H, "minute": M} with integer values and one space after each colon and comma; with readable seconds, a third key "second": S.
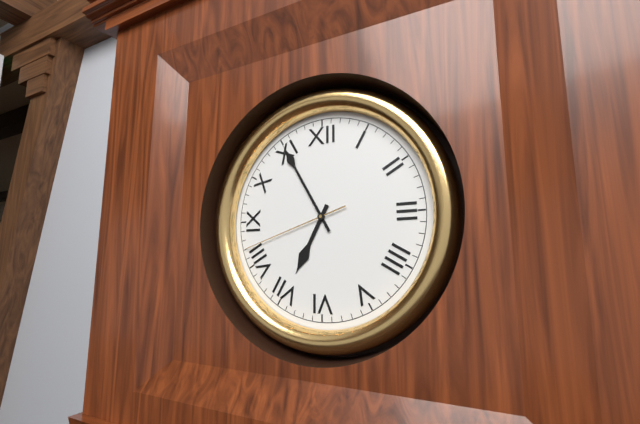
{"hour": 6, "minute": 55, "second": 42}
